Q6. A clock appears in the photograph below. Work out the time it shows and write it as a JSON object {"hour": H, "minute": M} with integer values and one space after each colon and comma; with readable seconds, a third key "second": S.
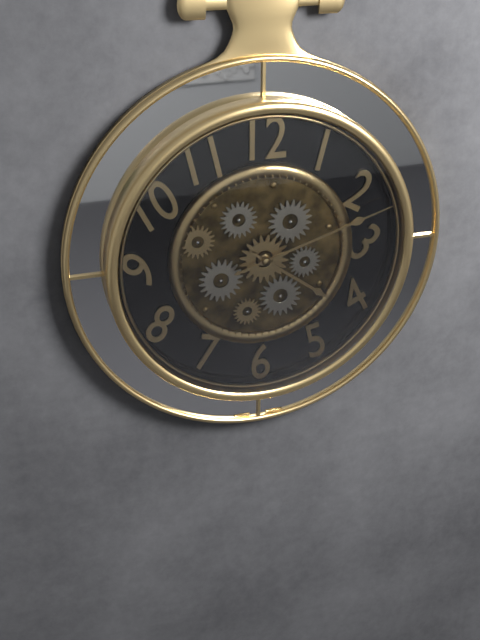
{"hour": 4, "minute": 12}
